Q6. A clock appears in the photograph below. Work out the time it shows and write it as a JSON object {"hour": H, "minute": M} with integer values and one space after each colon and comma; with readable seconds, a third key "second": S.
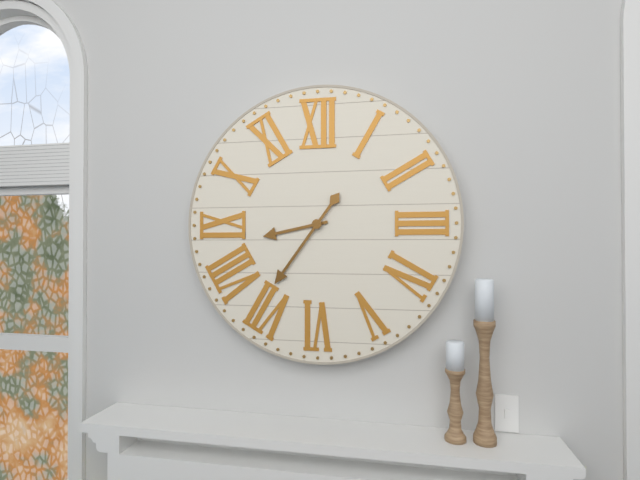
{"hour": 8, "minute": 36}
